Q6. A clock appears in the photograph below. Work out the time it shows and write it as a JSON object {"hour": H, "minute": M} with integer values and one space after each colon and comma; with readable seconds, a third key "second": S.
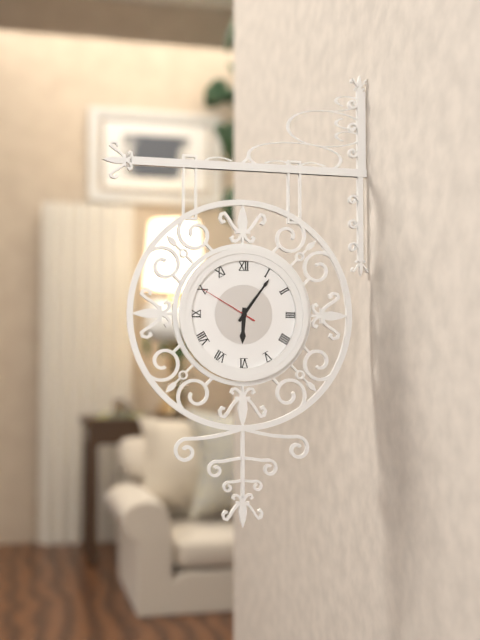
{"hour": 6, "minute": 6, "second": 50}
